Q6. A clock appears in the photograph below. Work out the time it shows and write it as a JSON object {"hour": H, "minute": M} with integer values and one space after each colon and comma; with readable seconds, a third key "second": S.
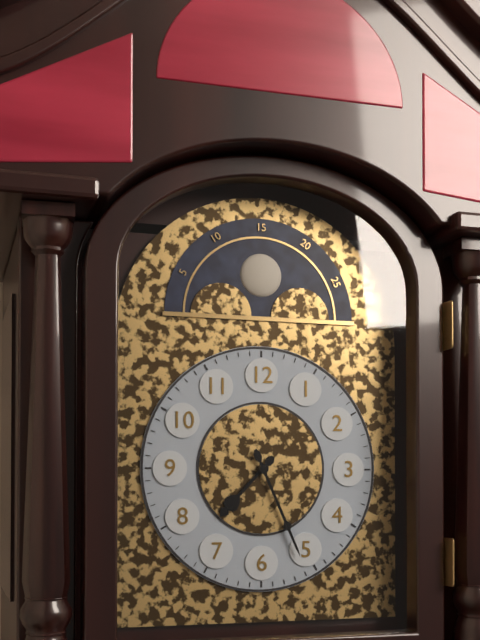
{"hour": 7, "minute": 26}
